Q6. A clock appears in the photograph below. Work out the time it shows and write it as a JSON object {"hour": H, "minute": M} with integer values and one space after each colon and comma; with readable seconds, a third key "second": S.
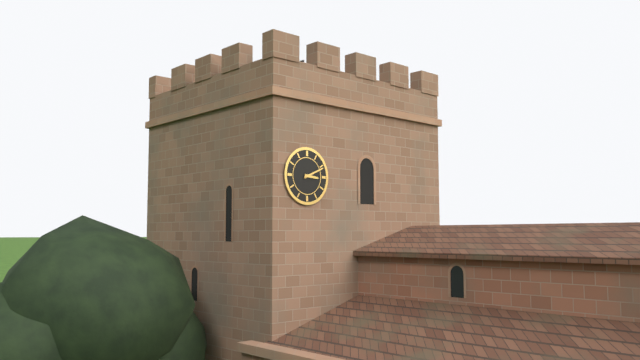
{"hour": 3, "minute": 11}
